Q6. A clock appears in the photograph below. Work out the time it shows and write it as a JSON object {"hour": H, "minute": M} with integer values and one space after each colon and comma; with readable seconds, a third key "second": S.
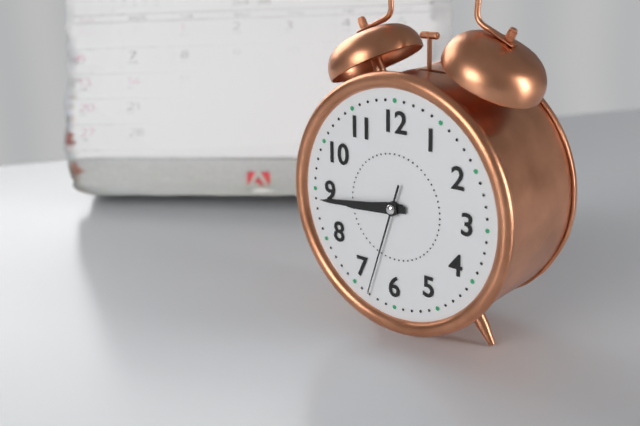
{"hour": 8, "minute": 44, "second": 33}
